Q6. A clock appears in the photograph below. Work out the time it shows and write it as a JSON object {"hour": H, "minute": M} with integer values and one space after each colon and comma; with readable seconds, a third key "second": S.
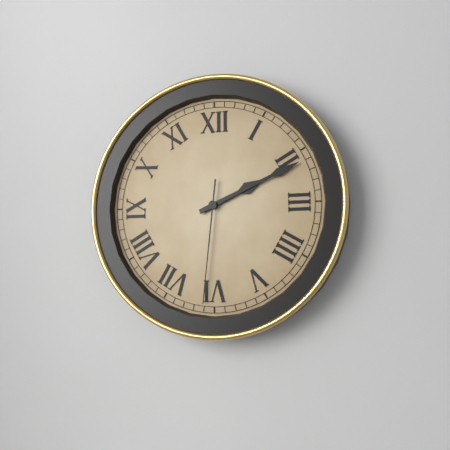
{"hour": 2, "minute": 11, "second": 31}
